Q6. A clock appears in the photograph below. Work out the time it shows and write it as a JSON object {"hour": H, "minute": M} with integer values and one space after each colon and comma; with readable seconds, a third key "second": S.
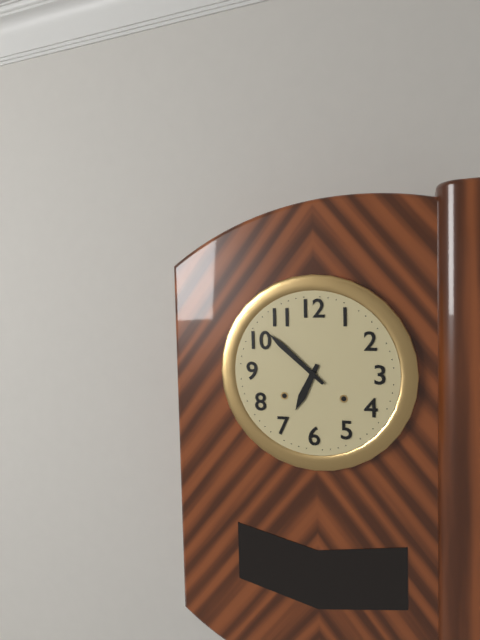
{"hour": 6, "minute": 52}
